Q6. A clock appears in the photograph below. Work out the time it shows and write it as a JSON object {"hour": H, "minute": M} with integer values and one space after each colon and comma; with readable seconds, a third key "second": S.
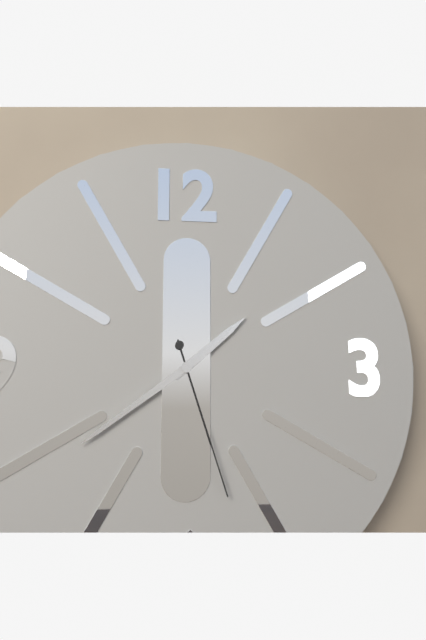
{"hour": 1, "minute": 39, "second": 27}
